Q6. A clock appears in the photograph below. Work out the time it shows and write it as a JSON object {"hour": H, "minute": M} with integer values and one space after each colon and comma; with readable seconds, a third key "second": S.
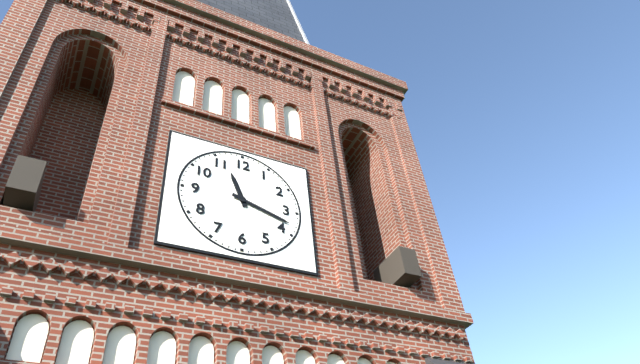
{"hour": 11, "minute": 18}
